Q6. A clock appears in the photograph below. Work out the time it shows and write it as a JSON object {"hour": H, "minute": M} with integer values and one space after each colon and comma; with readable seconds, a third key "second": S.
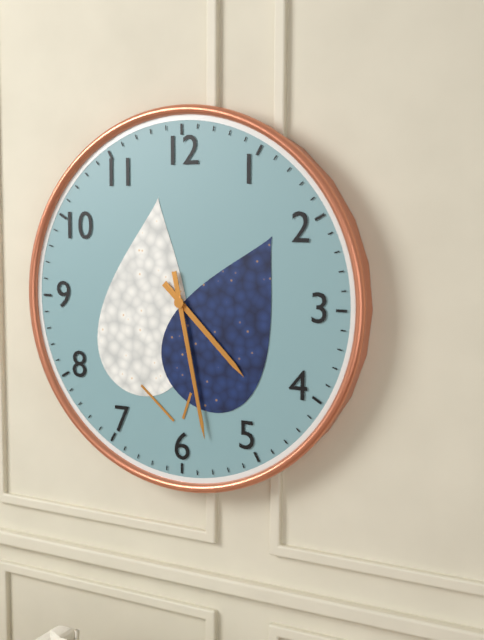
{"hour": 4, "minute": 28}
